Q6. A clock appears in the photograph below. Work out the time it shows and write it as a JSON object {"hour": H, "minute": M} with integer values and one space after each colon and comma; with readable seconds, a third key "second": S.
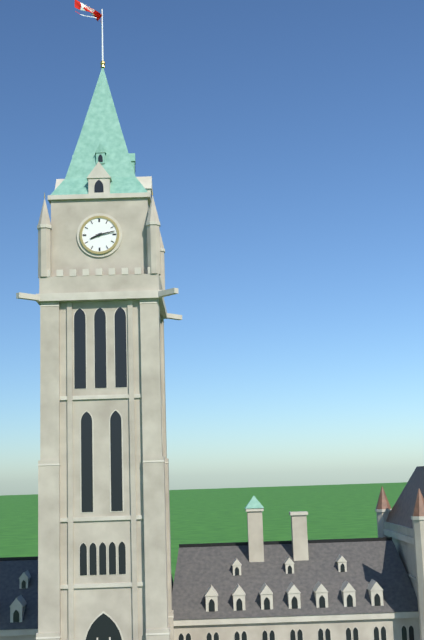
{"hour": 8, "minute": 13}
